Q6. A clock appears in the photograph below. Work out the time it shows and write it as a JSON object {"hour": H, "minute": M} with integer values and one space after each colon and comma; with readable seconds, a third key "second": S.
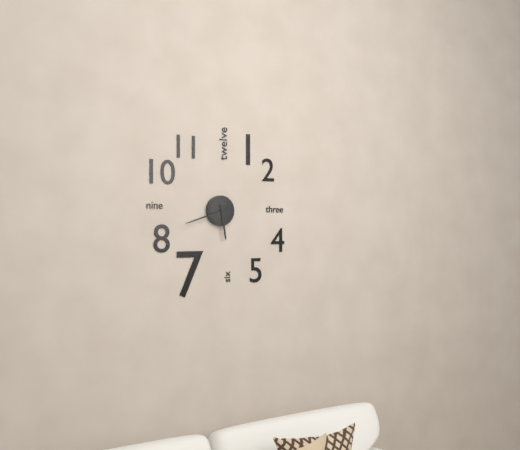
{"hour": 5, "minute": 42}
